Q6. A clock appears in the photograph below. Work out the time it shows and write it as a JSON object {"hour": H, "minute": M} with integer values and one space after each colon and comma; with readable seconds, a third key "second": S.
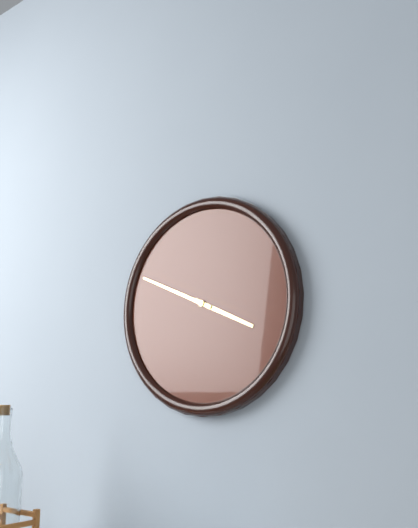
{"hour": 3, "minute": 49}
